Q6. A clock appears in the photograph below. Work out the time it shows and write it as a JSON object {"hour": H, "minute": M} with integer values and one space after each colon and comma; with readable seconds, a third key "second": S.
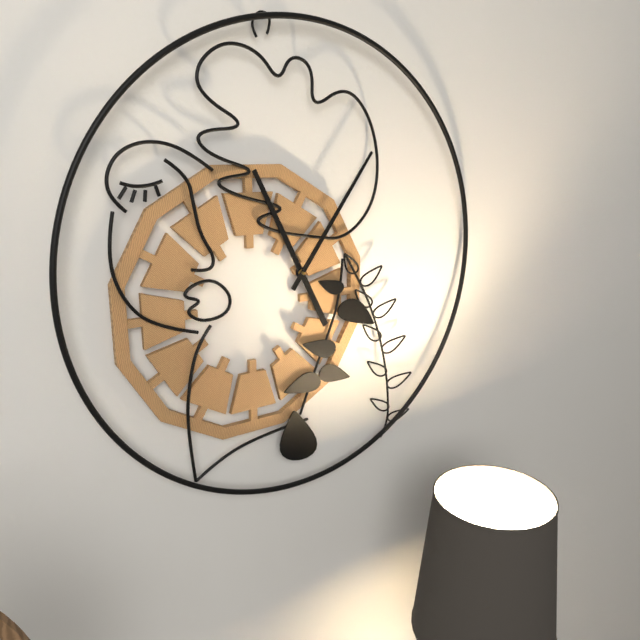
{"hour": 11, "minute": 6}
